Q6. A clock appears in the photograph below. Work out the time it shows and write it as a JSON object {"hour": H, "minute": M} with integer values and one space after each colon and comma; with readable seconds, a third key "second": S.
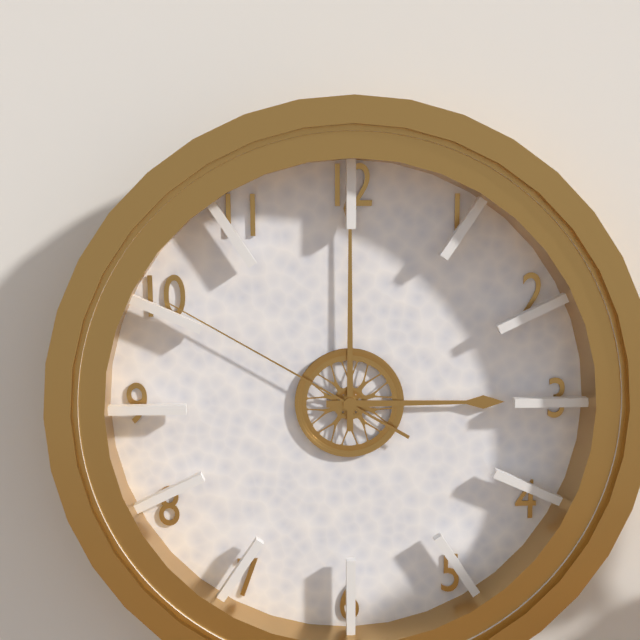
{"hour": 3, "minute": 0, "second": 50}
